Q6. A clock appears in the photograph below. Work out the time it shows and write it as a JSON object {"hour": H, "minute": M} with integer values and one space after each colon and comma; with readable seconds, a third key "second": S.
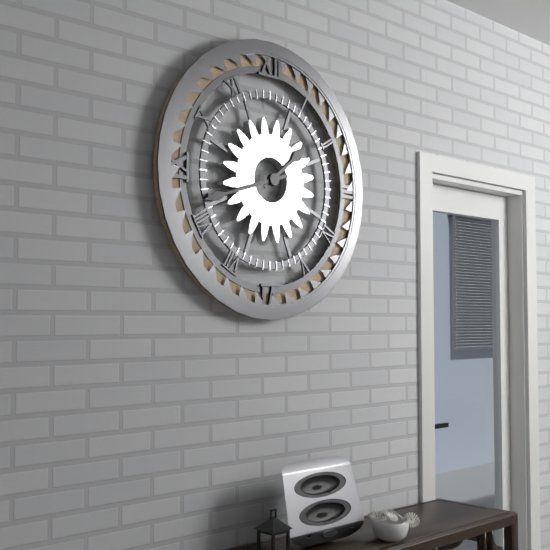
{"hour": 1, "minute": 42}
